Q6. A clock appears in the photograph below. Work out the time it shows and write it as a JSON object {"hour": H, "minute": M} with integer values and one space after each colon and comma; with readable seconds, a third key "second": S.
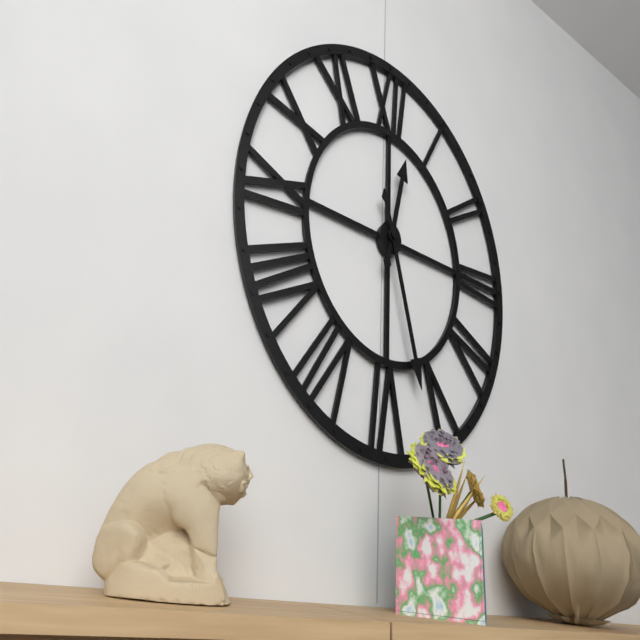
{"hour": 12, "minute": 27}
